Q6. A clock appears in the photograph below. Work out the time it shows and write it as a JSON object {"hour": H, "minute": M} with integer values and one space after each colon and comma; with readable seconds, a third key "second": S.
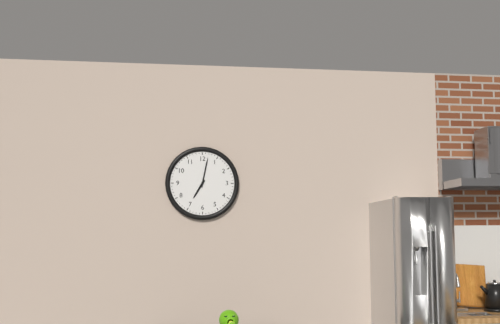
{"hour": 7, "minute": 2}
